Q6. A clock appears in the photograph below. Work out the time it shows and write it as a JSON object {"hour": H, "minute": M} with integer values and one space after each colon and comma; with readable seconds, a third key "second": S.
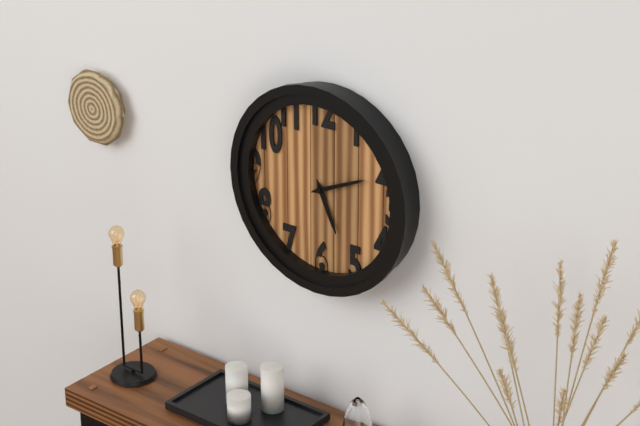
{"hour": 5, "minute": 11}
